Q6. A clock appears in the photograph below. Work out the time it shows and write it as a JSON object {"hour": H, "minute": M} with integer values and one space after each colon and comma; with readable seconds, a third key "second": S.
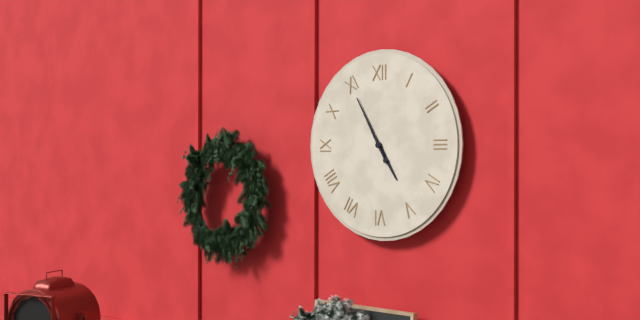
{"hour": 4, "minute": 55}
